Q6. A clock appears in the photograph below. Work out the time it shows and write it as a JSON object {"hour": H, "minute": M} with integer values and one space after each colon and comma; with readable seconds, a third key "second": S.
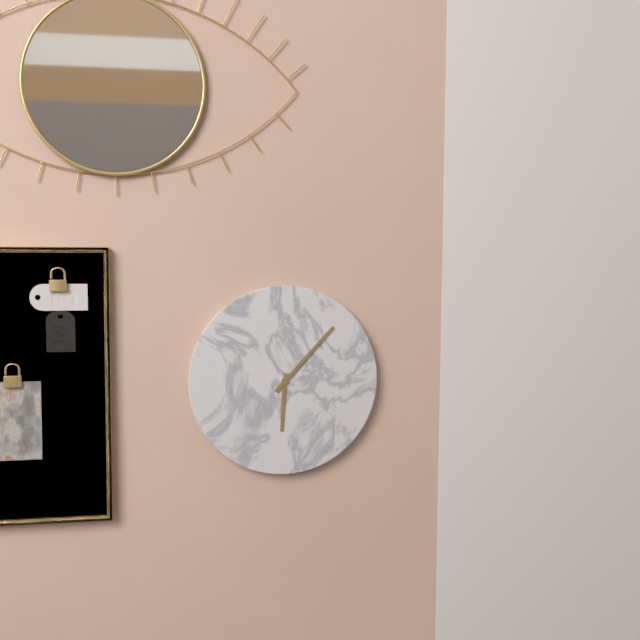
{"hour": 6, "minute": 7}
